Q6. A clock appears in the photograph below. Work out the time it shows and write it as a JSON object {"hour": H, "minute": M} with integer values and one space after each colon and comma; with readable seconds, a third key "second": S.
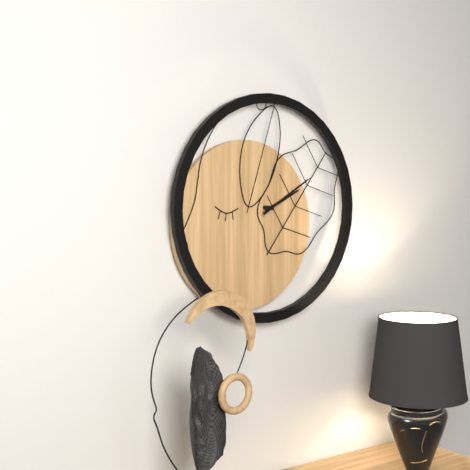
{"hour": 2, "minute": 10}
